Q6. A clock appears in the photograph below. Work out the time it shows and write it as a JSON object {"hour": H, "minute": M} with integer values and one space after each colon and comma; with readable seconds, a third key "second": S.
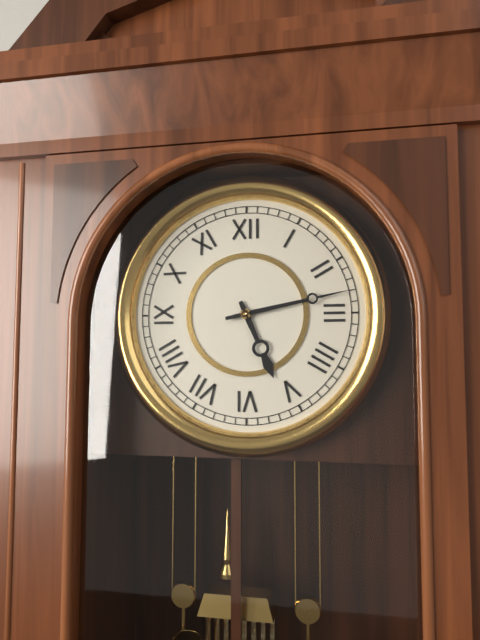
{"hour": 5, "minute": 13}
